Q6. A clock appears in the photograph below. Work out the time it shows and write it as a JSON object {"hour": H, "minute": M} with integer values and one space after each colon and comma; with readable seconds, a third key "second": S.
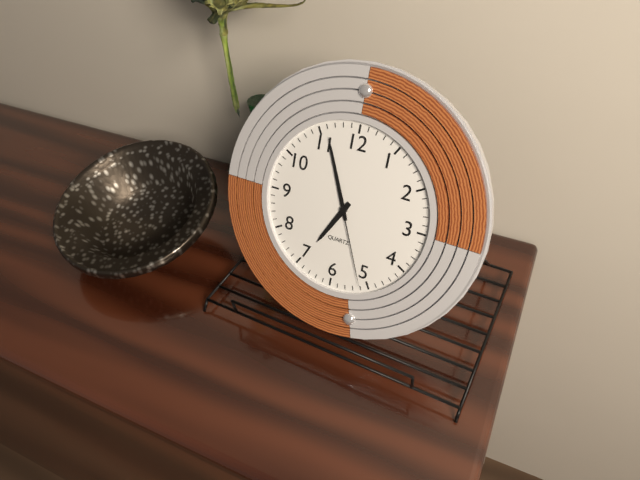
{"hour": 6, "minute": 56, "second": 26}
